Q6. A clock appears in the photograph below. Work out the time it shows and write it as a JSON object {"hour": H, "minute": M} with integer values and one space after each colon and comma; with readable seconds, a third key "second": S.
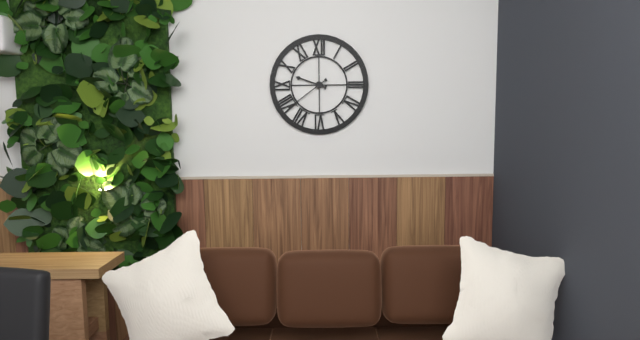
{"hour": 9, "minute": 39}
